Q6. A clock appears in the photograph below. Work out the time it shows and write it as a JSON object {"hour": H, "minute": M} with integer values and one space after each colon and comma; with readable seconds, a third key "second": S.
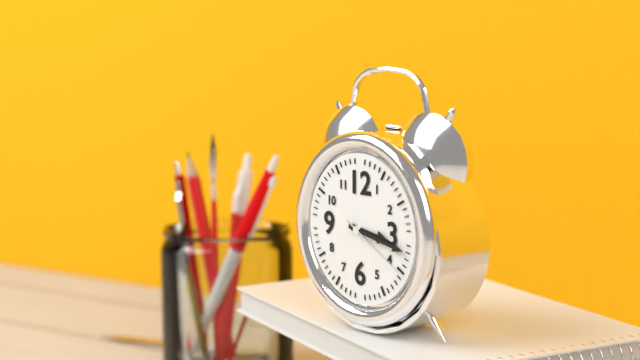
{"hour": 3, "minute": 17, "second": 20}
